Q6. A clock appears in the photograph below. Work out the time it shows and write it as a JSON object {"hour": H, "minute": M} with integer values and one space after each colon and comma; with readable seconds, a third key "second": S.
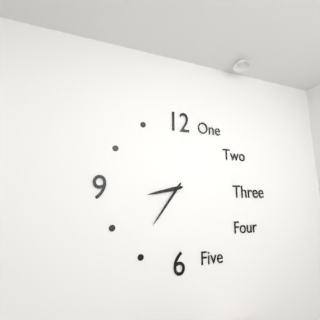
{"hour": 8, "minute": 36}
